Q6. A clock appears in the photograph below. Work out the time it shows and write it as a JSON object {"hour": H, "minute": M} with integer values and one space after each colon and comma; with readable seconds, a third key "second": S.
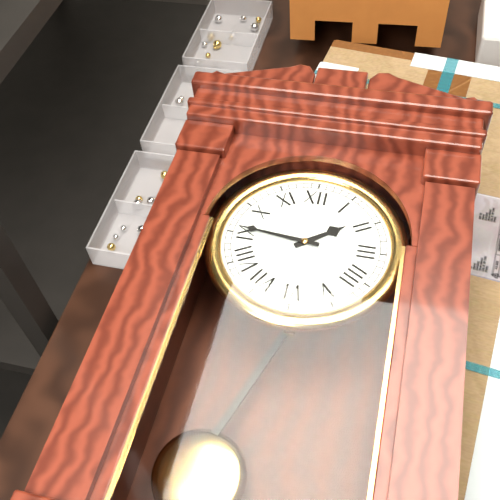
{"hour": 1, "minute": 46}
